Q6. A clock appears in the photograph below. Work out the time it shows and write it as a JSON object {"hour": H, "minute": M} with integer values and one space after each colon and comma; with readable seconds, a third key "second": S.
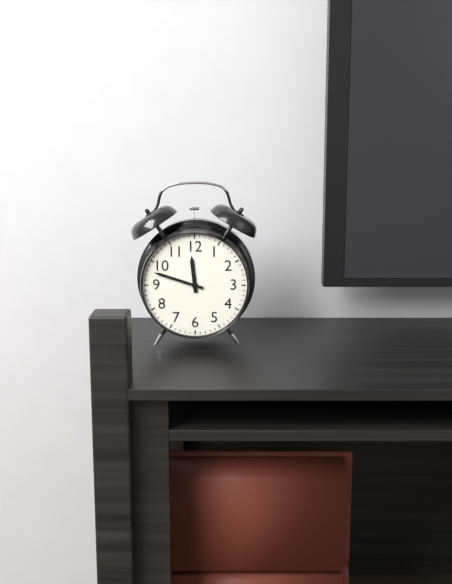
{"hour": 11, "minute": 48}
